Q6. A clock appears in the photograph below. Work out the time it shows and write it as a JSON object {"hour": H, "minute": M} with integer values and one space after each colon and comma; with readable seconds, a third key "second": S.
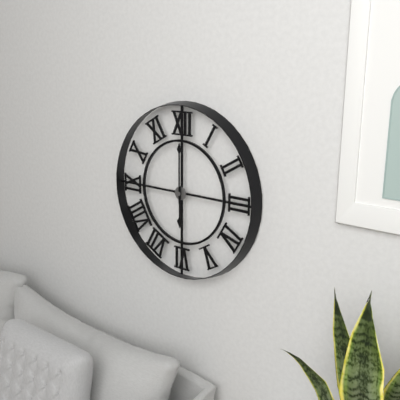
{"hour": 6, "minute": 0}
